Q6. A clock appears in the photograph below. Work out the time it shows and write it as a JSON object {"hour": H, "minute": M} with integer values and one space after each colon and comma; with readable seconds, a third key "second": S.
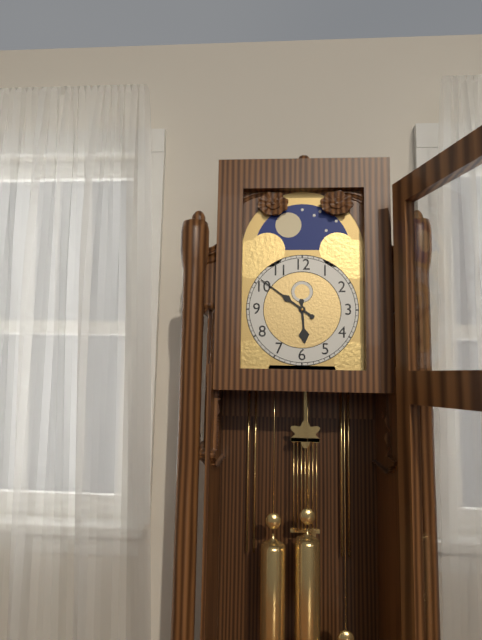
{"hour": 5, "minute": 51}
